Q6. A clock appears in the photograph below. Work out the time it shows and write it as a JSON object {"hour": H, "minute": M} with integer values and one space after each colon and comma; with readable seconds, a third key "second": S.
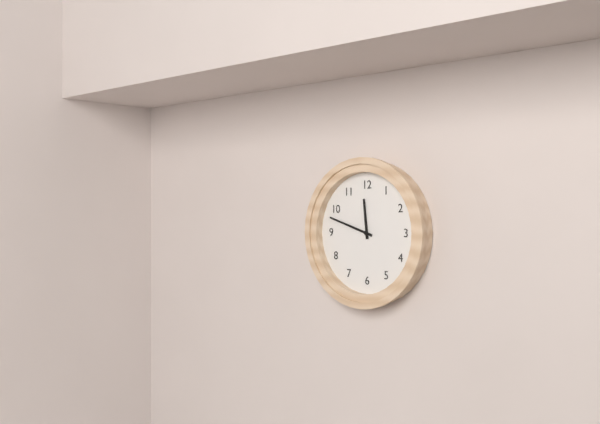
{"hour": 11, "minute": 48}
